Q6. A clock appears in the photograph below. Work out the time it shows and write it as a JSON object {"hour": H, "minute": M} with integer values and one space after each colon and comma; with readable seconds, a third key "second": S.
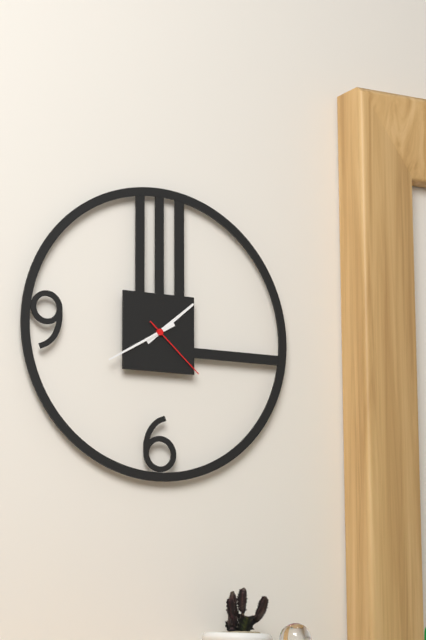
{"hour": 1, "minute": 40, "second": 22}
